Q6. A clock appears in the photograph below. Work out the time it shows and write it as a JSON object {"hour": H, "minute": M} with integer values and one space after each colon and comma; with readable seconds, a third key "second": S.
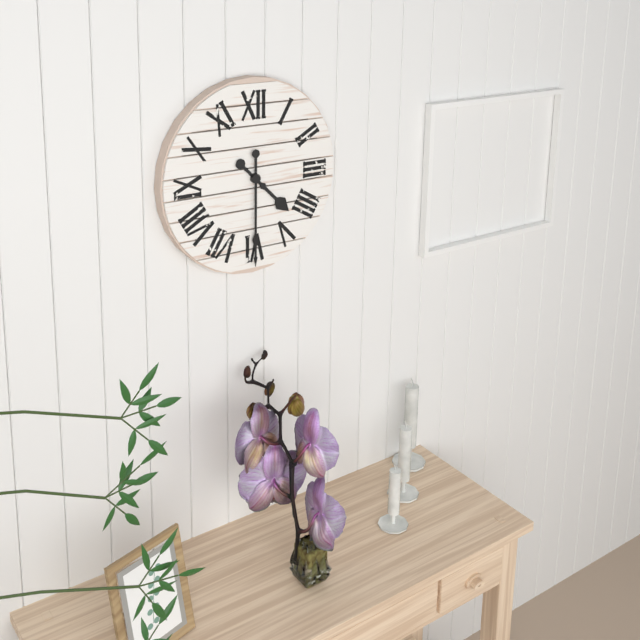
{"hour": 4, "minute": 30}
